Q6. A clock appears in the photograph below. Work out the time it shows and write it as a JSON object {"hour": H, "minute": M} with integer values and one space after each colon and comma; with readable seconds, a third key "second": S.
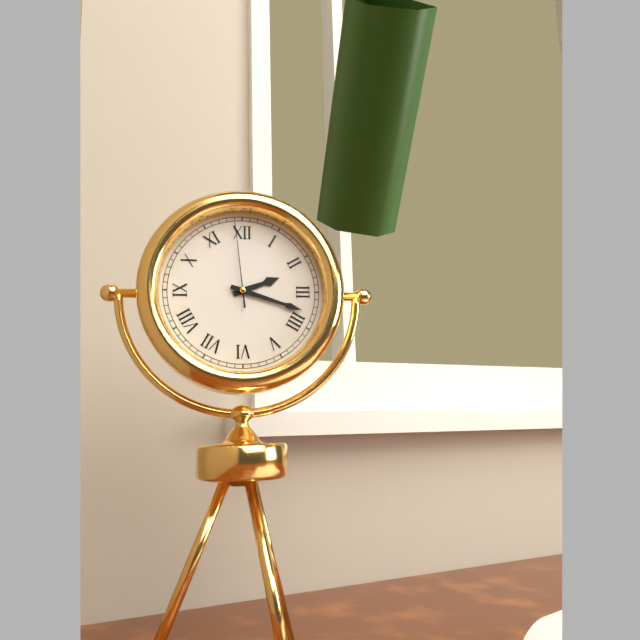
{"hour": 2, "minute": 18, "second": 59}
